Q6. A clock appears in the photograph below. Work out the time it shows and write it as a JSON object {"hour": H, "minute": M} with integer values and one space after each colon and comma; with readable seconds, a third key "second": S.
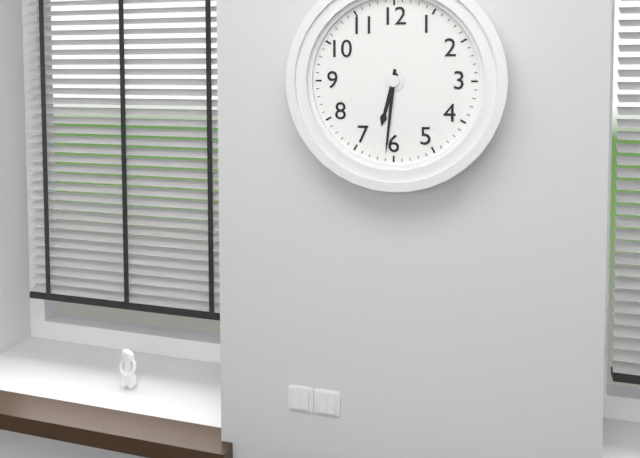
{"hour": 6, "minute": 31}
